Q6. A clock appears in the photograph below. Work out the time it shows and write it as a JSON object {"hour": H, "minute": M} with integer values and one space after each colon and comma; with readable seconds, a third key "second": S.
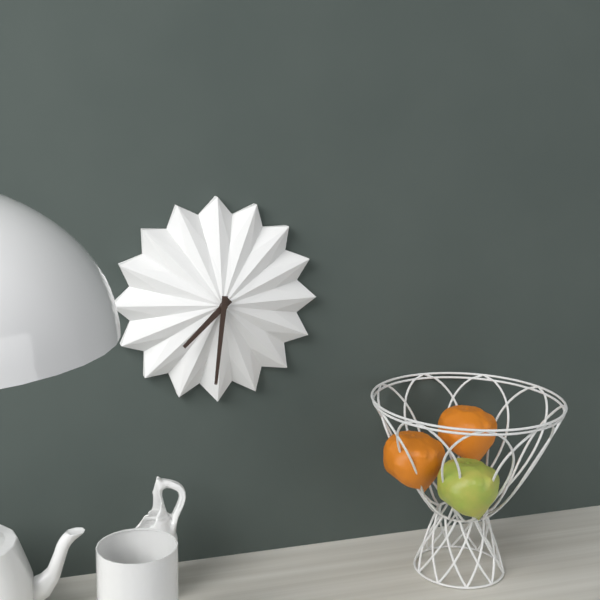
{"hour": 7, "minute": 31}
